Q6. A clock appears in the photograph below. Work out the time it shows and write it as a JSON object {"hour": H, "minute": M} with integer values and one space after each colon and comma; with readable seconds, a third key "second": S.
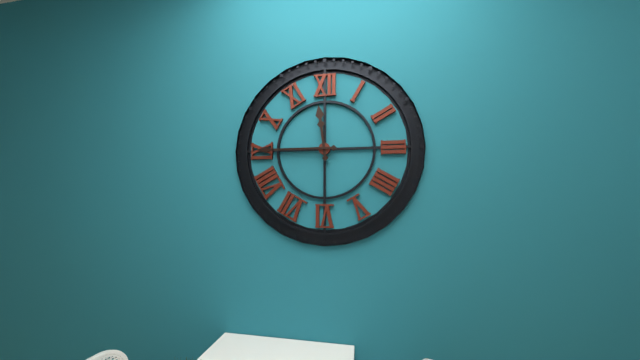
{"hour": 11, "minute": 45}
